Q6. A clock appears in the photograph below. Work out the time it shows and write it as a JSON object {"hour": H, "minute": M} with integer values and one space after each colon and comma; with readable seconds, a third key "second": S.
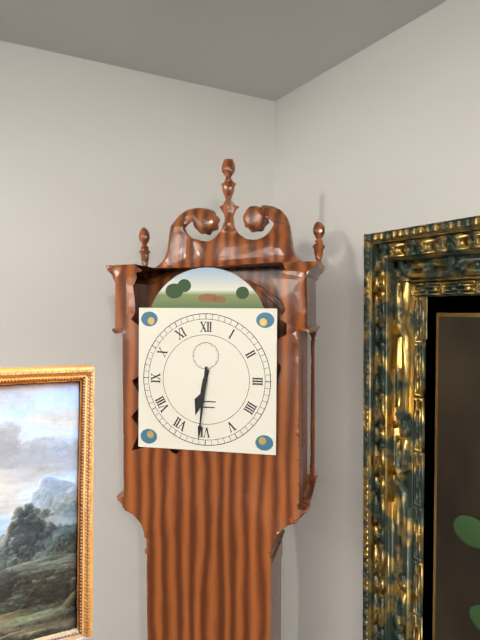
{"hour": 6, "minute": 31}
